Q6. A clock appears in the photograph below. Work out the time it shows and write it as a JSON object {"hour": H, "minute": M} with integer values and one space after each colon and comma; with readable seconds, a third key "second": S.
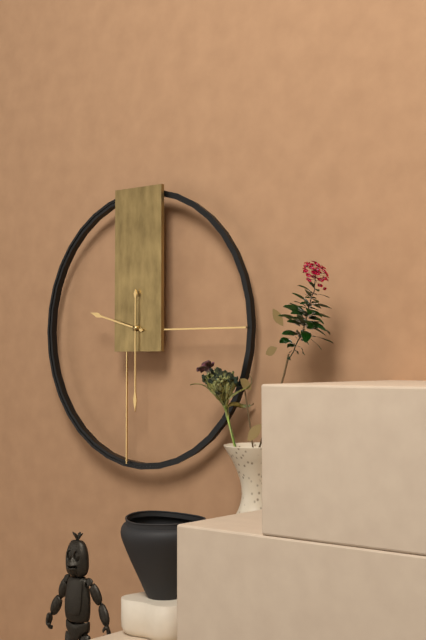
{"hour": 9, "minute": 30}
